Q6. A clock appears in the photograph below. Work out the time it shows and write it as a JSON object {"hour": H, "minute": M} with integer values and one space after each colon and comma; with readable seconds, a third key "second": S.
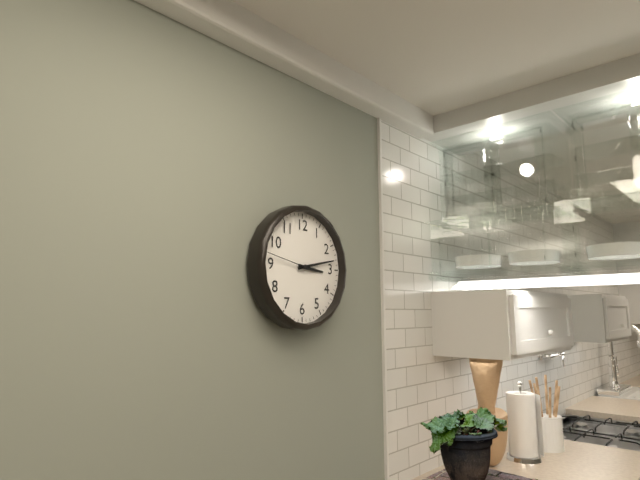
{"hour": 3, "minute": 13}
